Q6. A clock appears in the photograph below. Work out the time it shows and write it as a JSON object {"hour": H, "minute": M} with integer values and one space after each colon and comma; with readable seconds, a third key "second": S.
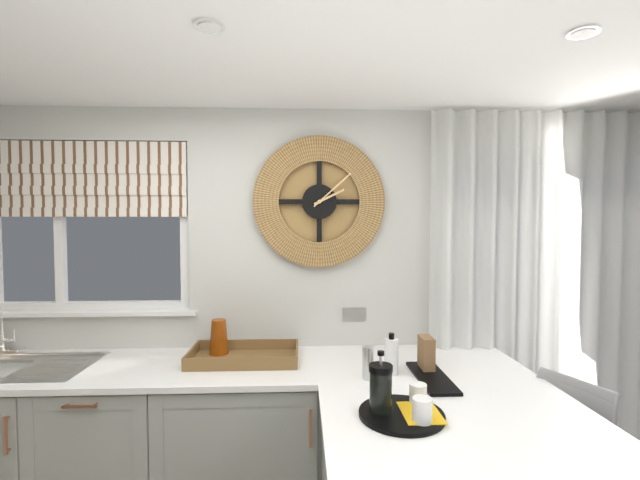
{"hour": 2, "minute": 8}
